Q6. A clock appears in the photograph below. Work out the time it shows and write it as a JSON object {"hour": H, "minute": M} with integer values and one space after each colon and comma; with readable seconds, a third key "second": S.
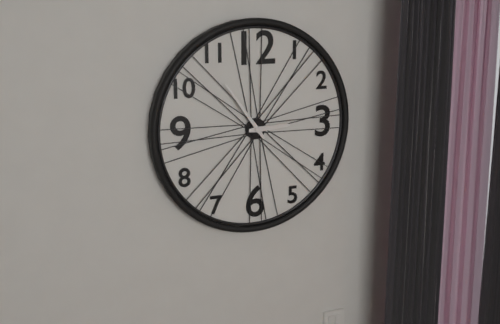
{"hour": 2, "minute": 54}
